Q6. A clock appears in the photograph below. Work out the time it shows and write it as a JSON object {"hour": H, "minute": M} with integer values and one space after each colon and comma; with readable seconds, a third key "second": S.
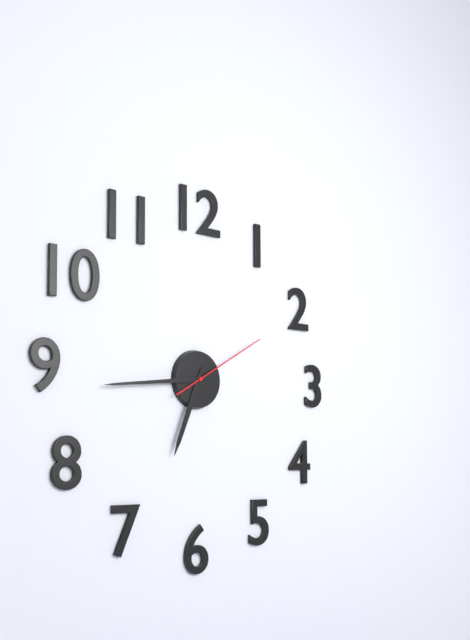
{"hour": 6, "minute": 44, "second": 10}
